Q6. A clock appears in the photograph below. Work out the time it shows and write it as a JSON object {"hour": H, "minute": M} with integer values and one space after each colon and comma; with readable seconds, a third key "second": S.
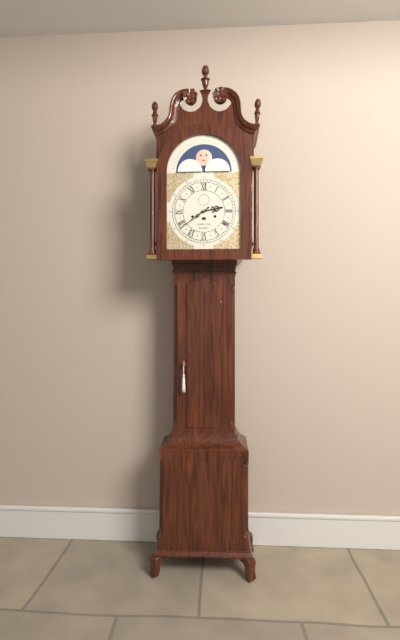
{"hour": 2, "minute": 39}
